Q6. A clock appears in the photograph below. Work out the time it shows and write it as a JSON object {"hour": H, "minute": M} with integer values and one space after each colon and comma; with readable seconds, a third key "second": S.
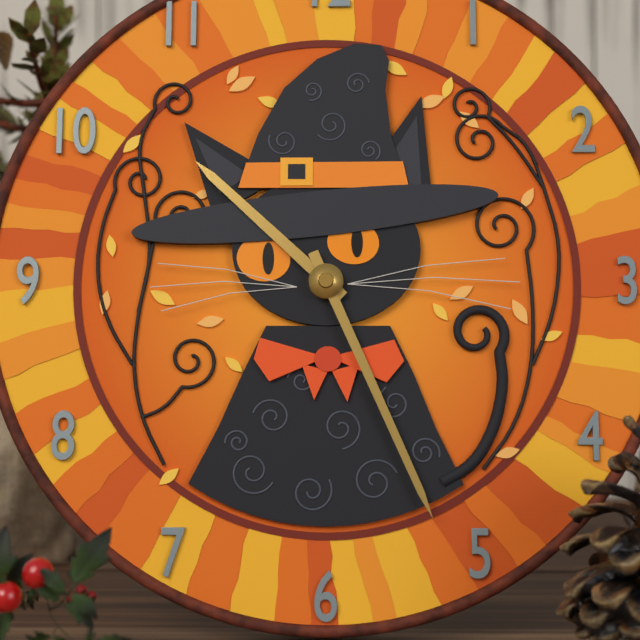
{"hour": 10, "minute": 26}
